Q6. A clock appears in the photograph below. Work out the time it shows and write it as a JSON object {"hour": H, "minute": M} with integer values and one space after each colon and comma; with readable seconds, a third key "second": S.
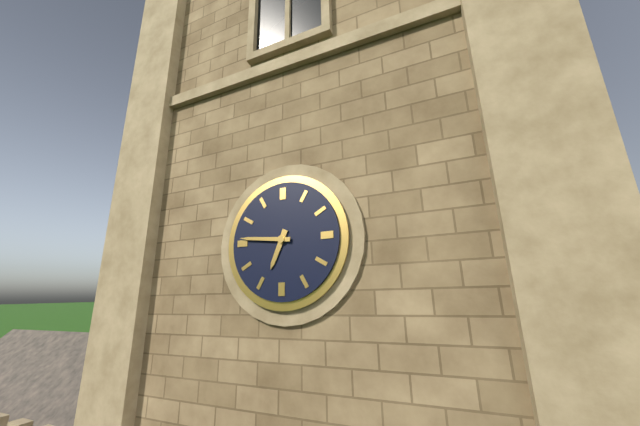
{"hour": 6, "minute": 46}
